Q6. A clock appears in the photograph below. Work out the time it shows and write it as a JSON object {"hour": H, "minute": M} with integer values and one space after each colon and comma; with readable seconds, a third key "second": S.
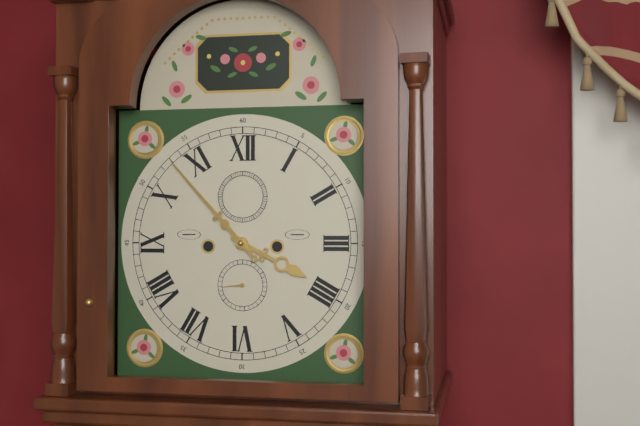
{"hour": 3, "minute": 53}
